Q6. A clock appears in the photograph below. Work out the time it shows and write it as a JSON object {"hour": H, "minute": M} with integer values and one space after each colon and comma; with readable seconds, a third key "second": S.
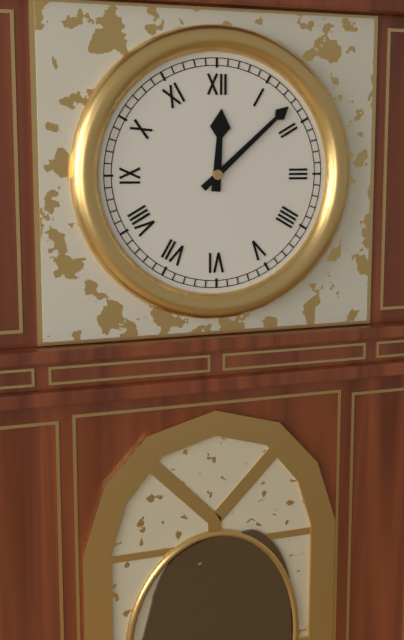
{"hour": 12, "minute": 8}
